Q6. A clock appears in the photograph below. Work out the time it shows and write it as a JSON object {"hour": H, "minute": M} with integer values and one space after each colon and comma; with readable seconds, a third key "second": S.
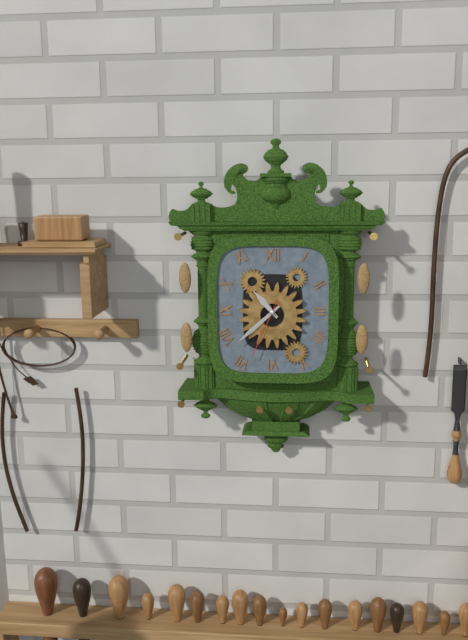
{"hour": 10, "minute": 38, "second": 34}
